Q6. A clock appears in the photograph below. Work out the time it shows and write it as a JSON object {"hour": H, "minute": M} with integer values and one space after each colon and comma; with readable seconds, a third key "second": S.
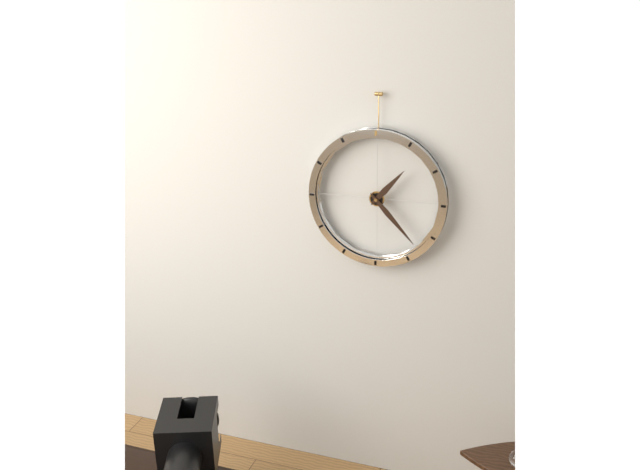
{"hour": 1, "minute": 23}
